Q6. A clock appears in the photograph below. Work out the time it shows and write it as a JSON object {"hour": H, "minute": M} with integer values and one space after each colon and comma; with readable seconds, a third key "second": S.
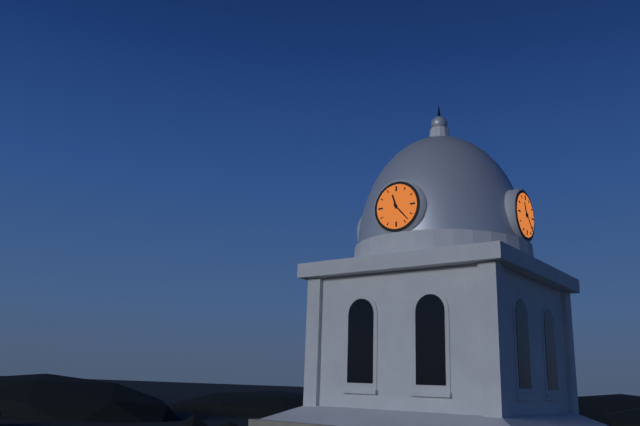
{"hour": 11, "minute": 23}
